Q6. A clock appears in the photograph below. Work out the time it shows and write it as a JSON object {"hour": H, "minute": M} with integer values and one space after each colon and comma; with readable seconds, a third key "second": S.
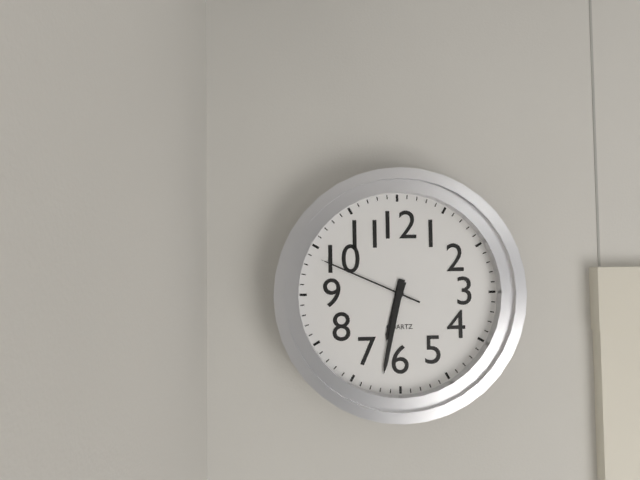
{"hour": 6, "minute": 32, "second": 49}
